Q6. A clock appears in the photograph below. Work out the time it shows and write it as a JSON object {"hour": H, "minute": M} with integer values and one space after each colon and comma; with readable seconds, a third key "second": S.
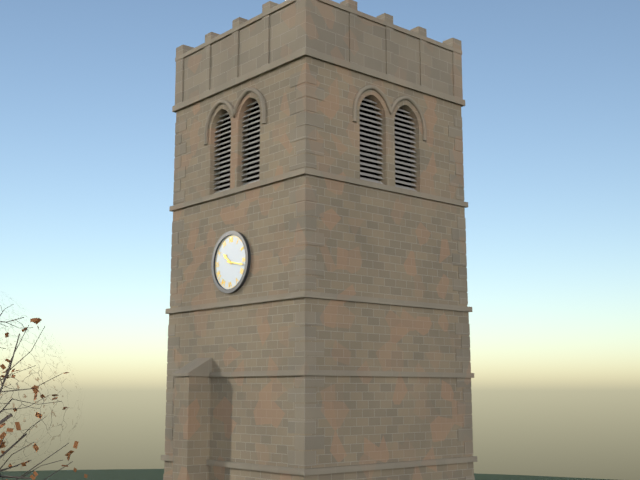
{"hour": 10, "minute": 17}
